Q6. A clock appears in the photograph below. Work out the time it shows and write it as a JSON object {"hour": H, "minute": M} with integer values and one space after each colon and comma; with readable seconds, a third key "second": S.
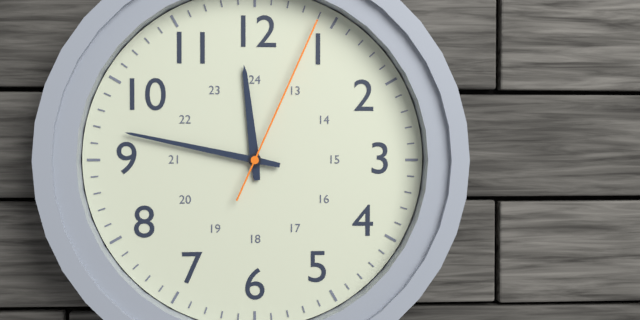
{"hour": 11, "minute": 47, "second": 4}
